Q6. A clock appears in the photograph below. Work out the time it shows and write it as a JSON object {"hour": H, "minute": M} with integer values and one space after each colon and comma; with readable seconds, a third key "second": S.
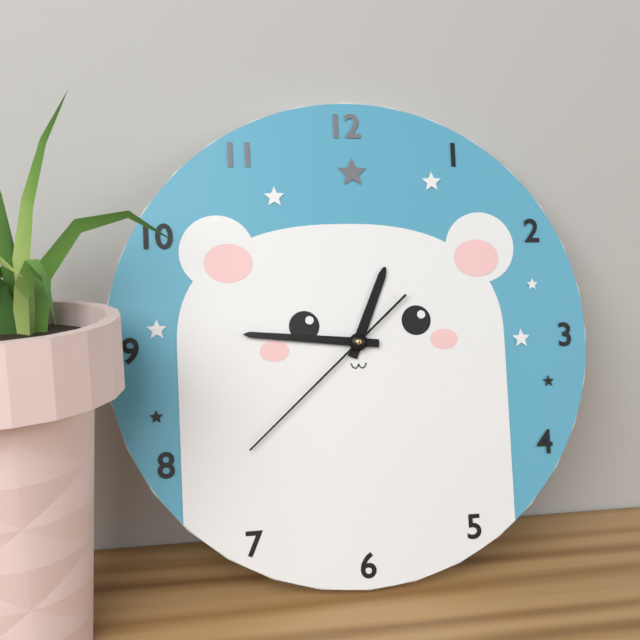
{"hour": 12, "minute": 46, "second": 38}
